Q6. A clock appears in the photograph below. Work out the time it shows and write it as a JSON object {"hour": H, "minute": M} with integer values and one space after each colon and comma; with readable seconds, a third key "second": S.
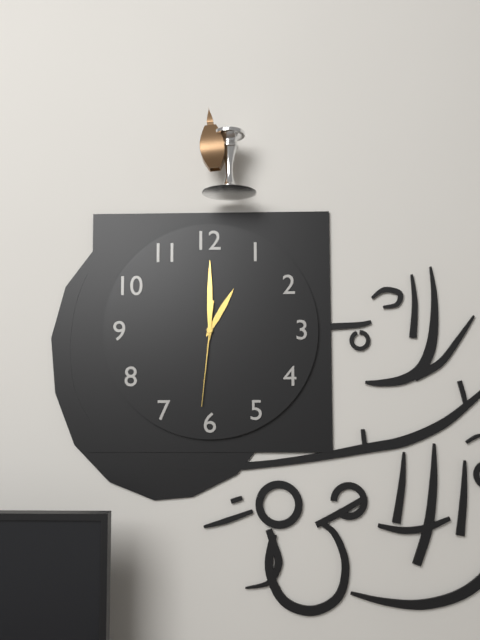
{"hour": 1, "minute": 0, "second": 31}
